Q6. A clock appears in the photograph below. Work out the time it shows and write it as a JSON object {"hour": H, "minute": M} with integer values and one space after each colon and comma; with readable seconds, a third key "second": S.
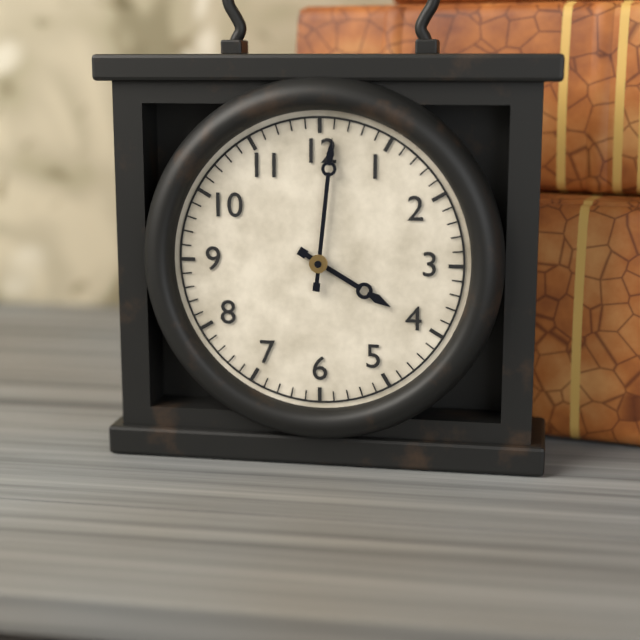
{"hour": 4, "minute": 1}
